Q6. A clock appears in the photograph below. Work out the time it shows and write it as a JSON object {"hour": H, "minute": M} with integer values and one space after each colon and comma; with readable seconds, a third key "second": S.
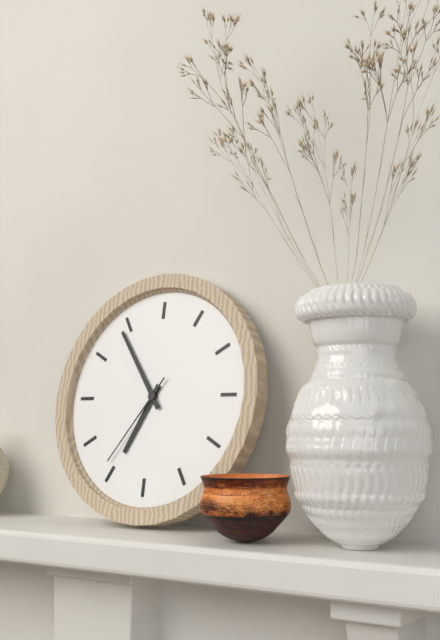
{"hour": 6, "minute": 54, "second": 36}
